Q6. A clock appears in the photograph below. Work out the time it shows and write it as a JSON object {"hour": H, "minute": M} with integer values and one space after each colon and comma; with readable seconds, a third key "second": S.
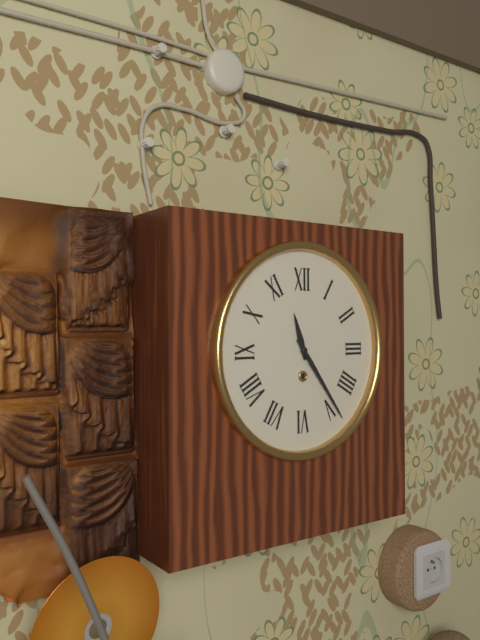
{"hour": 11, "minute": 24}
